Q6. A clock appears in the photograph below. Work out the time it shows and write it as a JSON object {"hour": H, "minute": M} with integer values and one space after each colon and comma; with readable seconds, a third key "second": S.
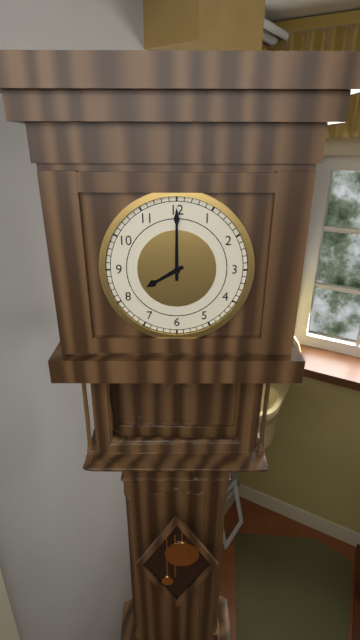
{"hour": 8, "minute": 0}
